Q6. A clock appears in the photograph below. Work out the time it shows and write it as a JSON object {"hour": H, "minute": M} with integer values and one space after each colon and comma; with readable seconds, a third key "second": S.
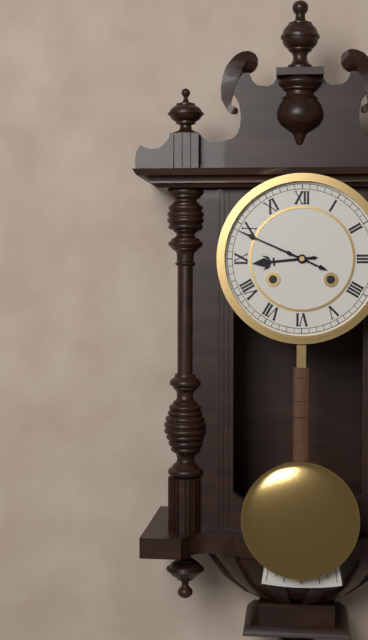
{"hour": 8, "minute": 49}
